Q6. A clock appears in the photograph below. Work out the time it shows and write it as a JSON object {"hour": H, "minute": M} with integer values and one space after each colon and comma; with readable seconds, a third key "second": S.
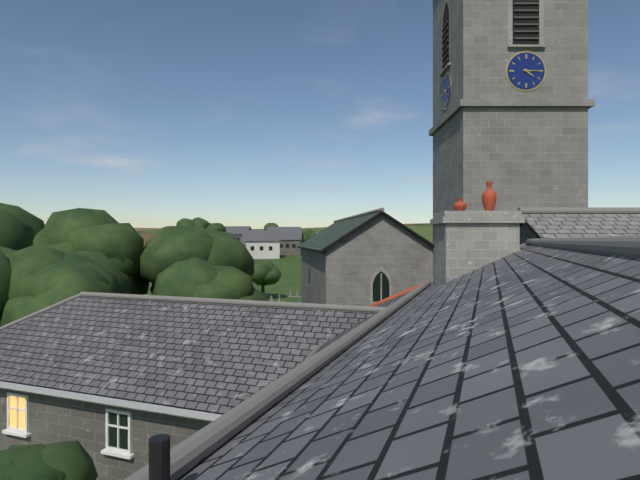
{"hour": 4, "minute": 15}
